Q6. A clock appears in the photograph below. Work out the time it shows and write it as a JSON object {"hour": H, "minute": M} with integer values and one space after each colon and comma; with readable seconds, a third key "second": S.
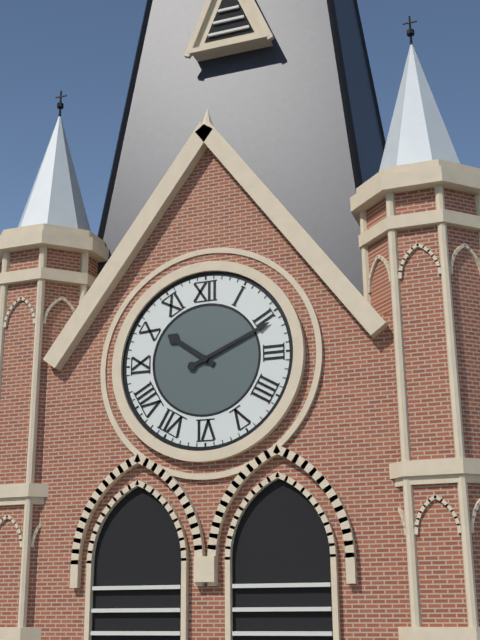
{"hour": 10, "minute": 11}
